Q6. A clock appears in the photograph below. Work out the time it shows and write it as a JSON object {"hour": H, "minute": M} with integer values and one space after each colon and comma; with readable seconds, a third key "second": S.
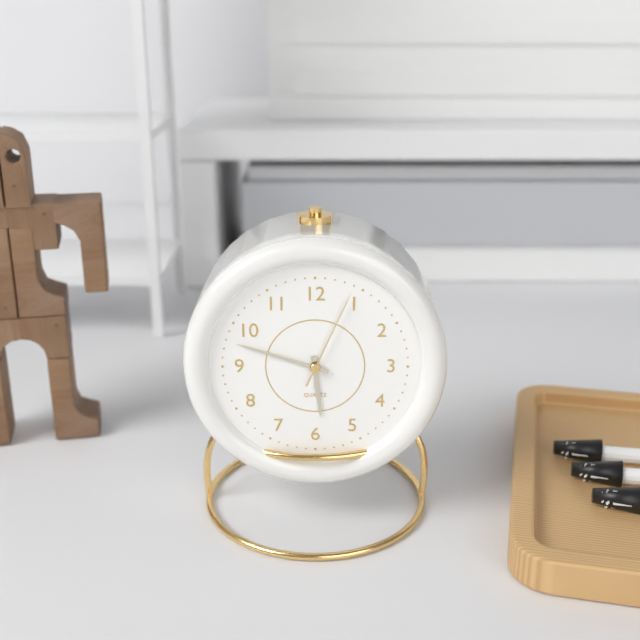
{"hour": 5, "minute": 48, "second": 4}
